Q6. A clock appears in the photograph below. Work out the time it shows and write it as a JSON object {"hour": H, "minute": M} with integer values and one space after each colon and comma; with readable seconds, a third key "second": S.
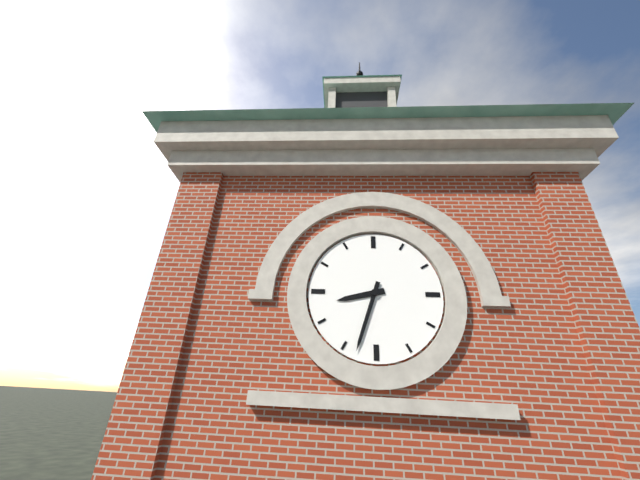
{"hour": 8, "minute": 33}
